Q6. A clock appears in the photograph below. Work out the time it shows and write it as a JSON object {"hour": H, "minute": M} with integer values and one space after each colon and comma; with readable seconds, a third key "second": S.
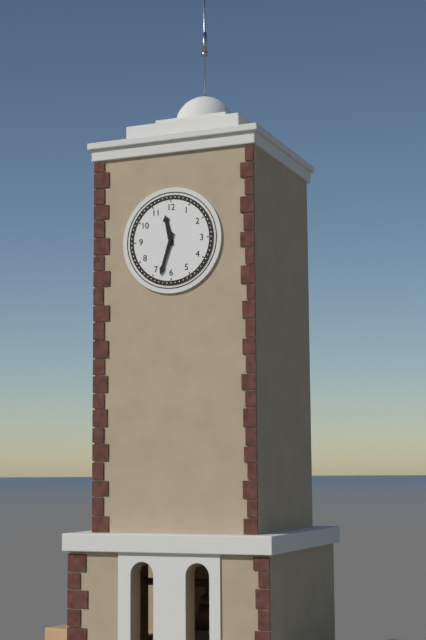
{"hour": 11, "minute": 33}
